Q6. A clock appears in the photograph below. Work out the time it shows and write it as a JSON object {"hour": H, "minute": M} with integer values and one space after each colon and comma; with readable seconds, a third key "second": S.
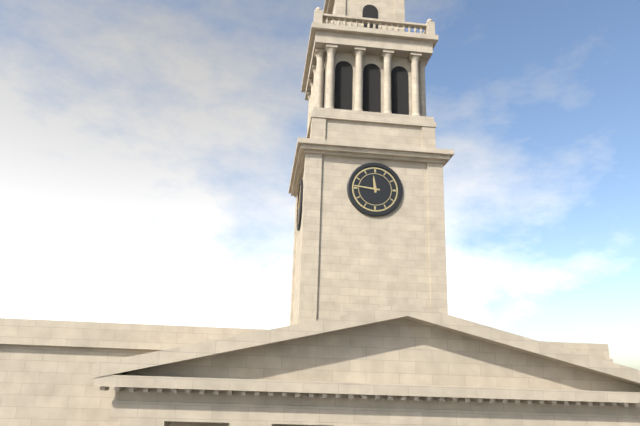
{"hour": 11, "minute": 46}
